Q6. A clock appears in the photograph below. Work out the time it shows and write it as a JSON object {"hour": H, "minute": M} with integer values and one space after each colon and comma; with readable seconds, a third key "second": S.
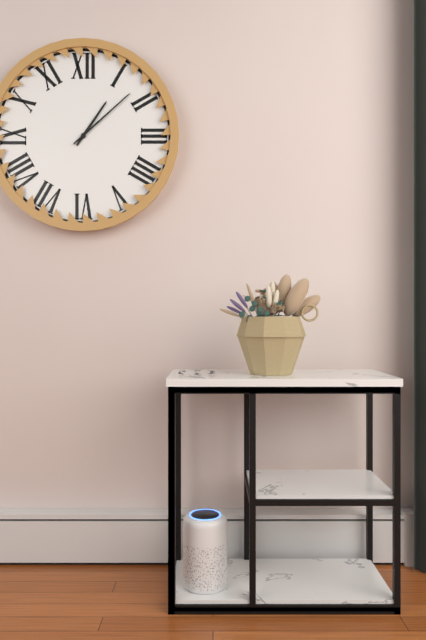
{"hour": 1, "minute": 8}
